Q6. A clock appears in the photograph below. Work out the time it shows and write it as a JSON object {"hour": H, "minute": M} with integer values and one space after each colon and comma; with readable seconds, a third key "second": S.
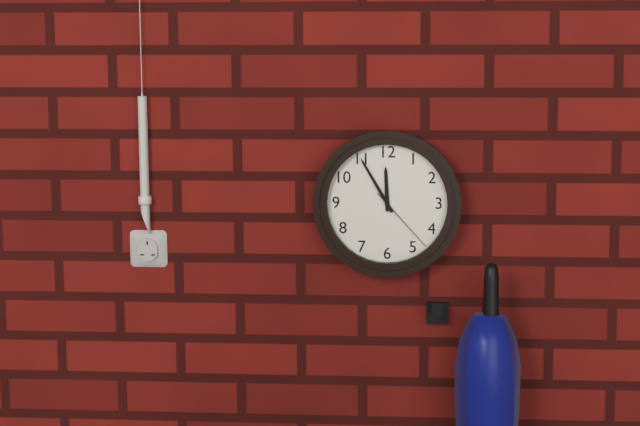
{"hour": 11, "minute": 55, "second": 23}
